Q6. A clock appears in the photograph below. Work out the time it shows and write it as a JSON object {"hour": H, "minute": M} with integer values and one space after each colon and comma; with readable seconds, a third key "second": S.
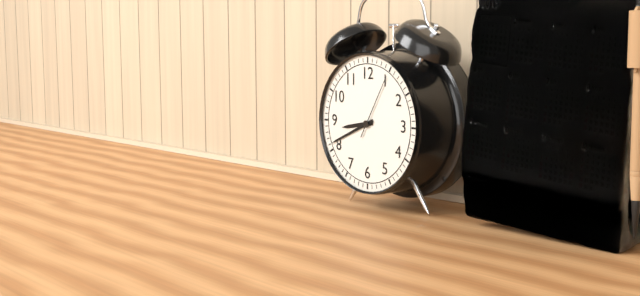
{"hour": 8, "minute": 41, "second": 5}
